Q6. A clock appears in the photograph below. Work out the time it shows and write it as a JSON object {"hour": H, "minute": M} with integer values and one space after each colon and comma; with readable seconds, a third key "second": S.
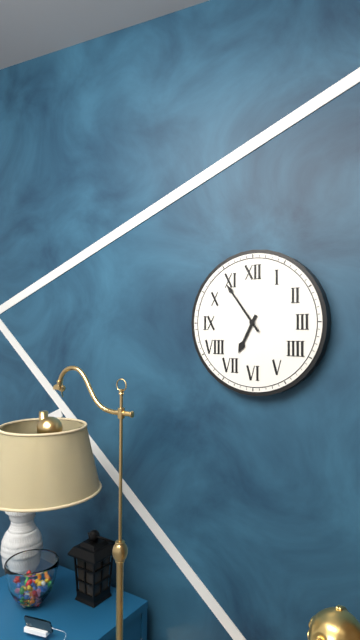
{"hour": 6, "minute": 54}
